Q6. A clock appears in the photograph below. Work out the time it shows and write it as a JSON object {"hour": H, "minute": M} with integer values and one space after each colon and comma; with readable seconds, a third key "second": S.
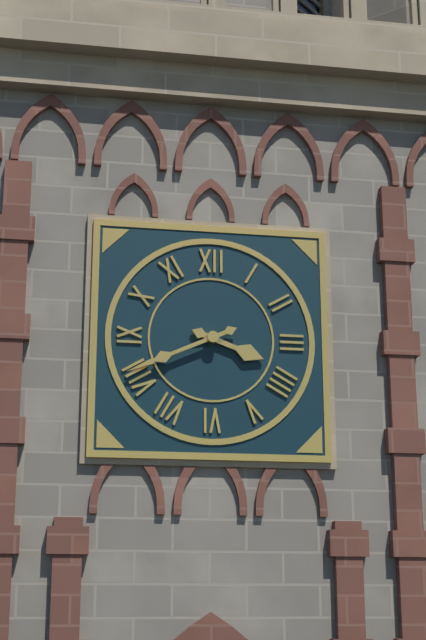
{"hour": 3, "minute": 41}
